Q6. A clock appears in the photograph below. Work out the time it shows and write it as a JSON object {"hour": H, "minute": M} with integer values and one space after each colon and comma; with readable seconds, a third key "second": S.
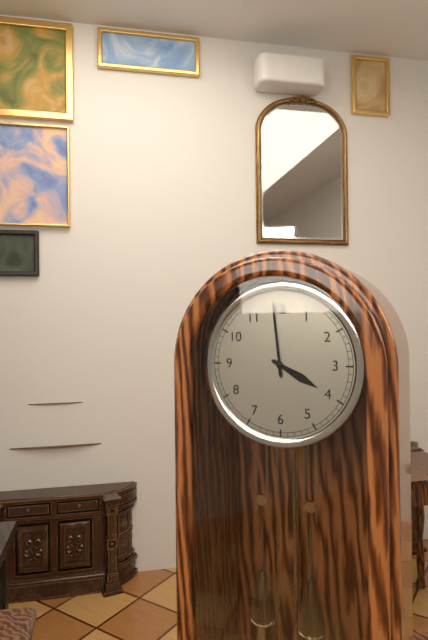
{"hour": 3, "minute": 59}
